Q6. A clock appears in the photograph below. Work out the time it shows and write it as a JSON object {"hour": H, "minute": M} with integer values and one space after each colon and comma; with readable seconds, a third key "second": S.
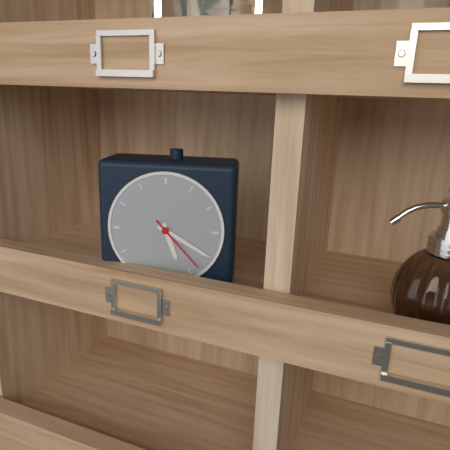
{"hour": 5, "minute": 20, "second": 23}
